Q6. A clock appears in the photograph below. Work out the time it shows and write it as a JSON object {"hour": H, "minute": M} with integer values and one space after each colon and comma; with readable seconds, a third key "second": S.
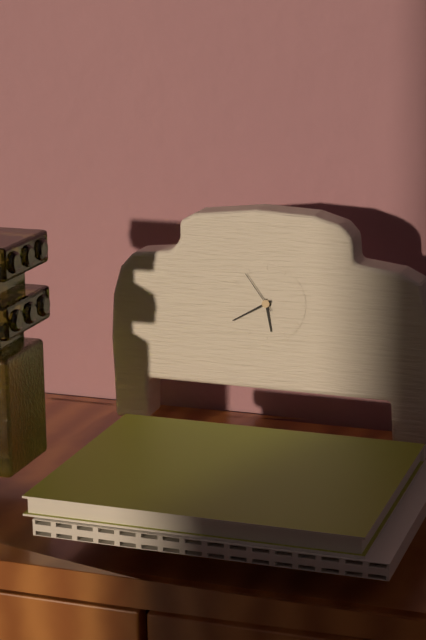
{"hour": 5, "minute": 40}
